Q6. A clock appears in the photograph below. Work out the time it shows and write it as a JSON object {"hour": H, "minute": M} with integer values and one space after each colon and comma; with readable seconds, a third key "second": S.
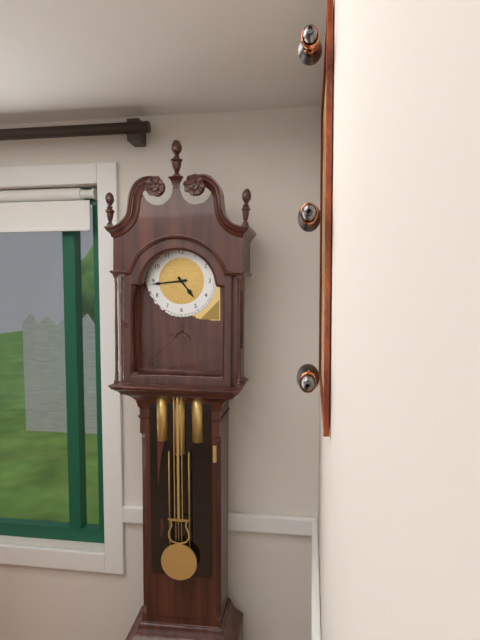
{"hour": 4, "minute": 44}
